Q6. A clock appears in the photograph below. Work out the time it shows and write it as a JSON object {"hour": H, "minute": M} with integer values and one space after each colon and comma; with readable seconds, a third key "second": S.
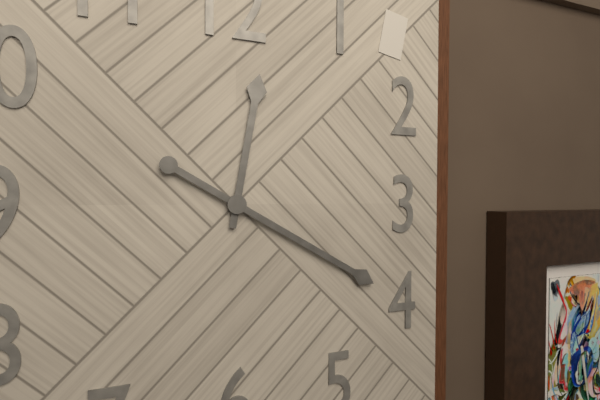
{"hour": 12, "minute": 20}
